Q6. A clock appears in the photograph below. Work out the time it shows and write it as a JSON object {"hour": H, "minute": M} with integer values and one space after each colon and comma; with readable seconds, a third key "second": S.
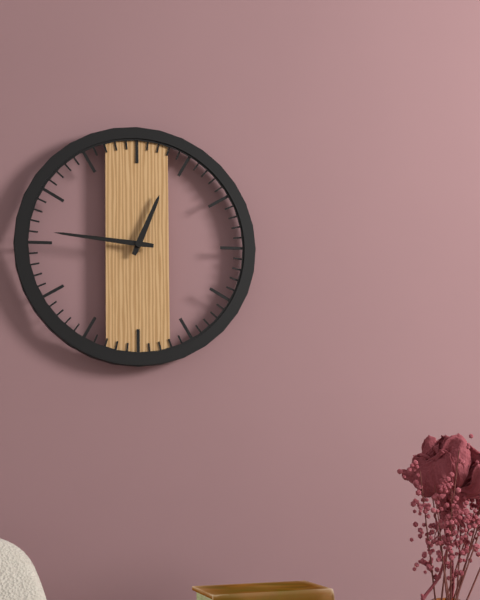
{"hour": 12, "minute": 46}
